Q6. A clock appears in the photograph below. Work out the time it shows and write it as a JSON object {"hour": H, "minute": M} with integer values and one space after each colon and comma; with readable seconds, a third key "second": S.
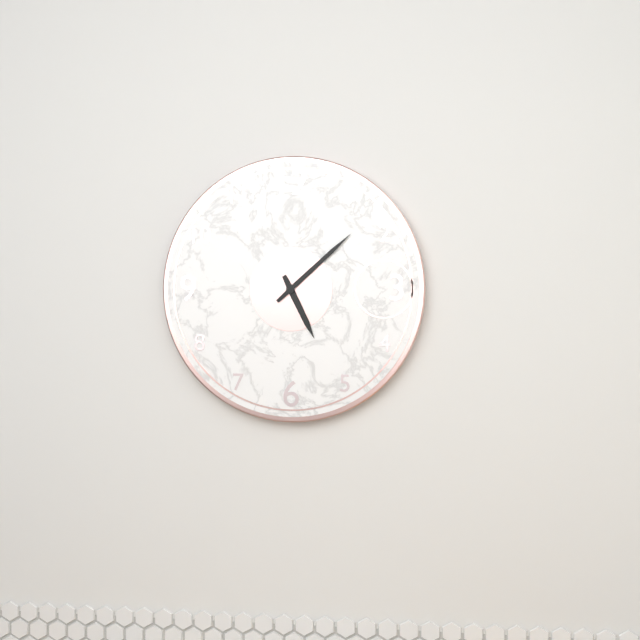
{"hour": 5, "minute": 8}
